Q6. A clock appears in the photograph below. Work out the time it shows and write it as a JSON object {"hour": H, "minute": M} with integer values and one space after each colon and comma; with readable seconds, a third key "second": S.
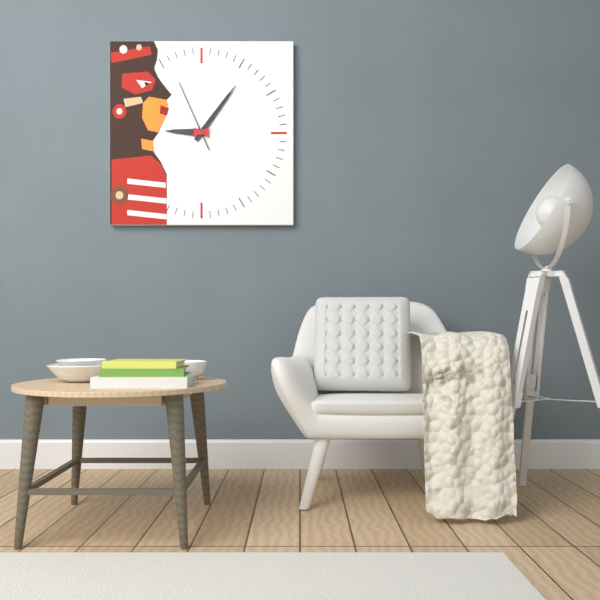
{"hour": 9, "minute": 6, "second": 56}
